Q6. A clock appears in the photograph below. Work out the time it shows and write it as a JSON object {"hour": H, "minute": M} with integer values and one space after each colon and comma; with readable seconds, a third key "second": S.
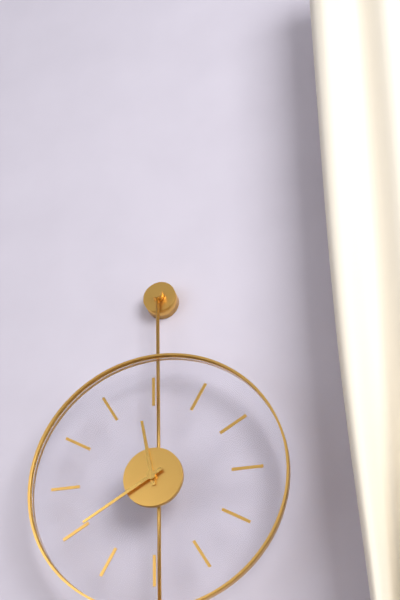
{"hour": 11, "minute": 40}
